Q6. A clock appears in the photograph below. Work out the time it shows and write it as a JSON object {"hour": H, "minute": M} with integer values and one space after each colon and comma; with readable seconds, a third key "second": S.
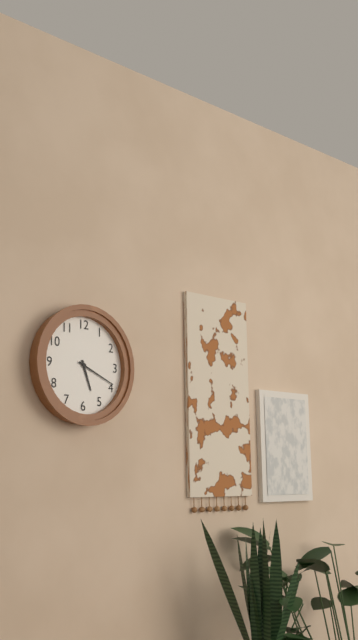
{"hour": 5, "minute": 19}
